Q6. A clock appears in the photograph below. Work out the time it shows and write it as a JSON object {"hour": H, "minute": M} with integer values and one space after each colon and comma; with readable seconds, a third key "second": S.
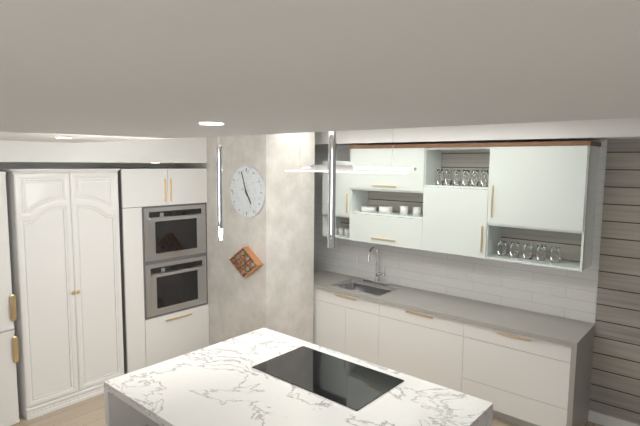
{"hour": 4, "minute": 57}
